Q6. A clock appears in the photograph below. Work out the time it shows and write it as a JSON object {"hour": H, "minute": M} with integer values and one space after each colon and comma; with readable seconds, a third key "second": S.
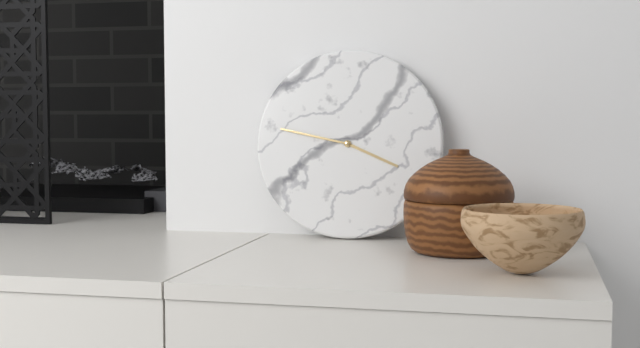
{"hour": 3, "minute": 47}
